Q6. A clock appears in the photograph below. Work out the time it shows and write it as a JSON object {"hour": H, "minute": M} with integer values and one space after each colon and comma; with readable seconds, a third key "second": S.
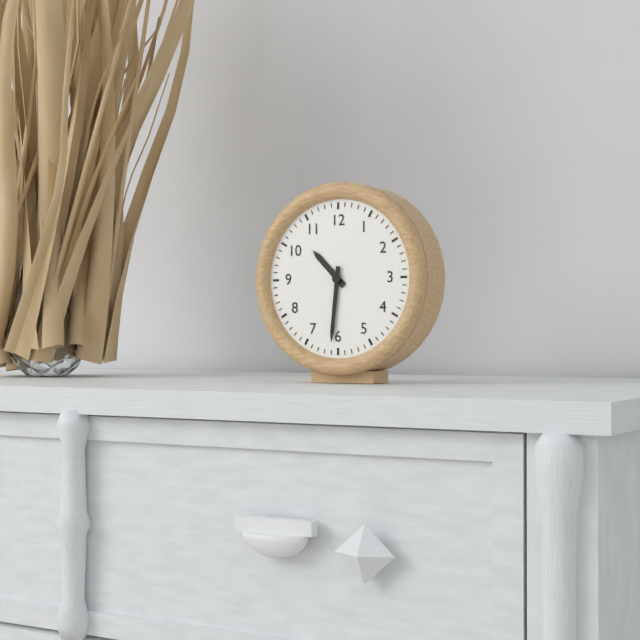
{"hour": 10, "minute": 31}
